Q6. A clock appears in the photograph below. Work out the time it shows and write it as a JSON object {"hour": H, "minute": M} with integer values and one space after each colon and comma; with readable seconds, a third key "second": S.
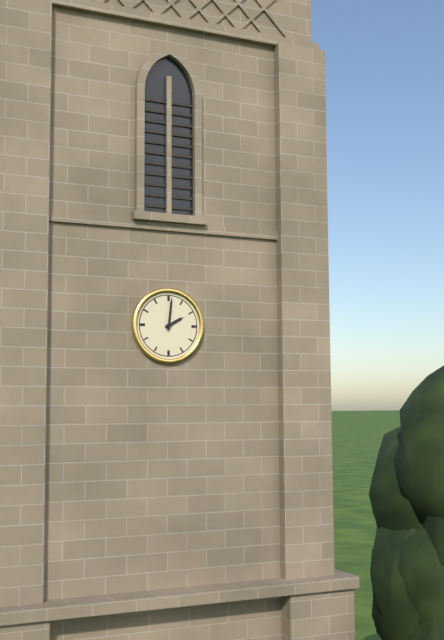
{"hour": 2, "minute": 1}
